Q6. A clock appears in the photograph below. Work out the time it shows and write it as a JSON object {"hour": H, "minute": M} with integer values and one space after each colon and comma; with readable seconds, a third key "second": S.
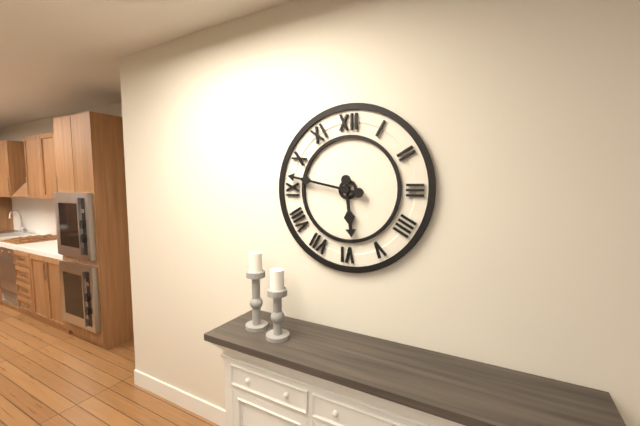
{"hour": 5, "minute": 47}
